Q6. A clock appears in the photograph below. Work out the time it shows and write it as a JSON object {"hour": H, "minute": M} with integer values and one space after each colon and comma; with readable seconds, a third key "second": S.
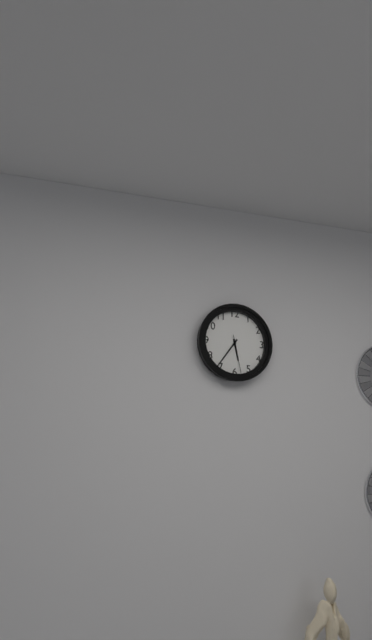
{"hour": 5, "minute": 36}
